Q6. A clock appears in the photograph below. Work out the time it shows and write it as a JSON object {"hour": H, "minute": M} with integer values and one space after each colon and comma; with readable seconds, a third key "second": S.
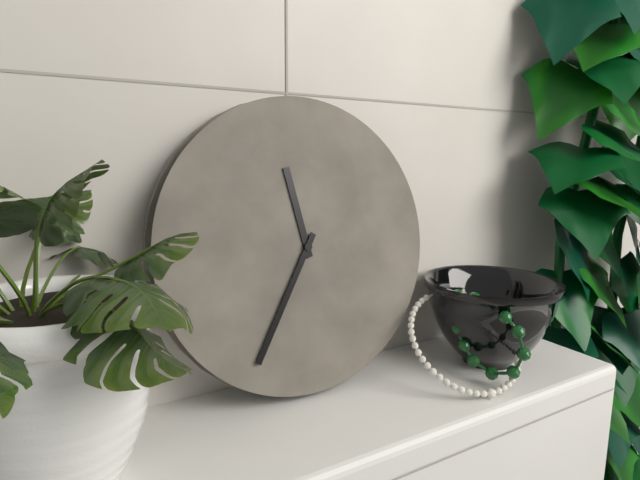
{"hour": 11, "minute": 35}
